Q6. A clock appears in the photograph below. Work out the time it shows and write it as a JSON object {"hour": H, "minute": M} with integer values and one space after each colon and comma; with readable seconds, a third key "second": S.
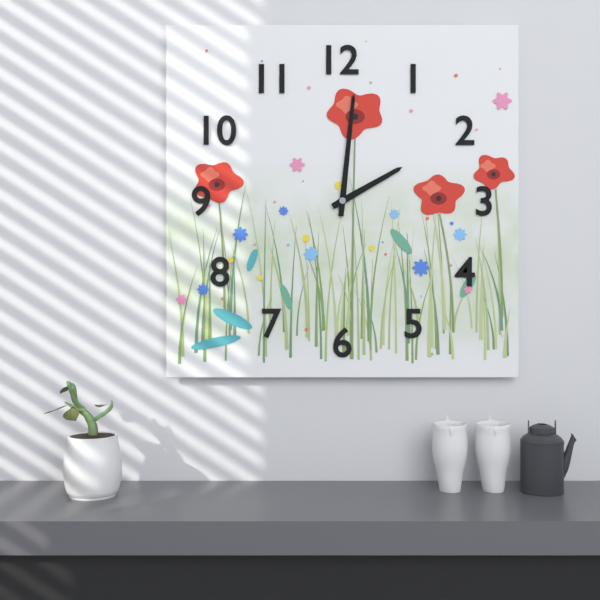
{"hour": 2, "minute": 1}
